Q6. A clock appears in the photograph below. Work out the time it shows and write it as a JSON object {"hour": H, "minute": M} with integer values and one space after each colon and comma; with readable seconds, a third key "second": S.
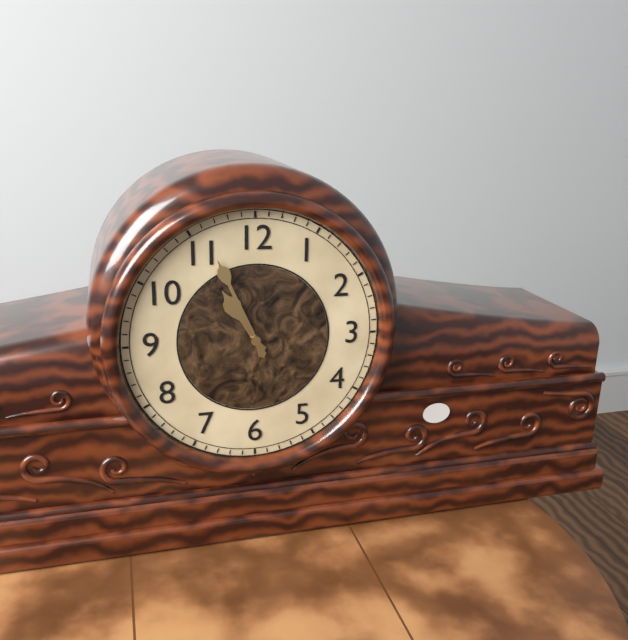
{"hour": 10, "minute": 56}
